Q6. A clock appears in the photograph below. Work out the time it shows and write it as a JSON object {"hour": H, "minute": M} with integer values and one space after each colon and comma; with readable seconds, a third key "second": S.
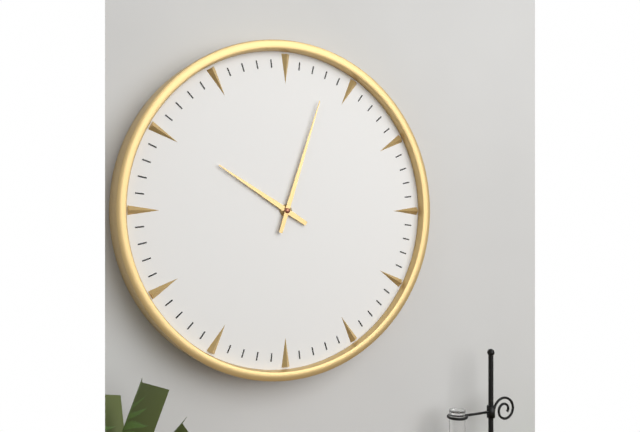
{"hour": 10, "minute": 3}
